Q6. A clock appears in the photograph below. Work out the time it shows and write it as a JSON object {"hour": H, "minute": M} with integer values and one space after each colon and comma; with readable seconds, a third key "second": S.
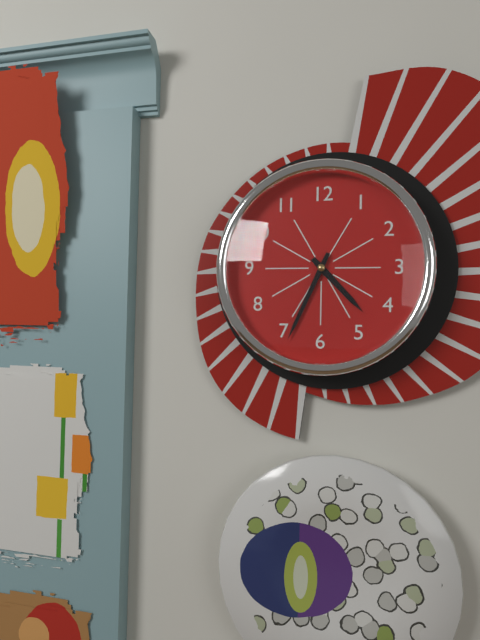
{"hour": 4, "minute": 34}
